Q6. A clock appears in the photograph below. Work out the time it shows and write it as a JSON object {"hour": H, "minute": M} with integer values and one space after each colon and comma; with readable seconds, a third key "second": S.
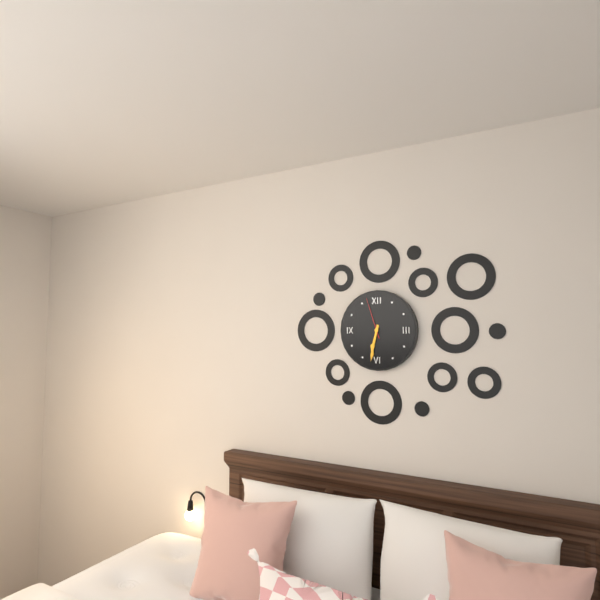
{"hour": 6, "minute": 32}
